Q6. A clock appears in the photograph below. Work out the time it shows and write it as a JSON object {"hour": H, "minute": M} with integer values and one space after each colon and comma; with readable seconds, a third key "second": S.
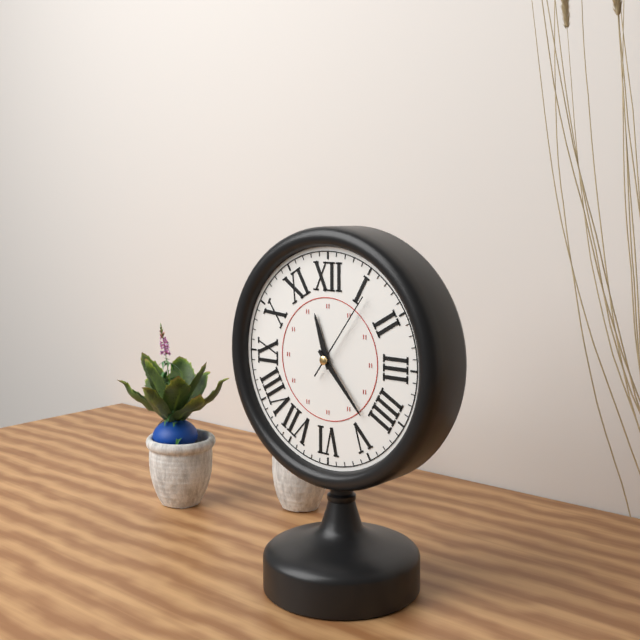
{"hour": 11, "minute": 23, "second": 6}
